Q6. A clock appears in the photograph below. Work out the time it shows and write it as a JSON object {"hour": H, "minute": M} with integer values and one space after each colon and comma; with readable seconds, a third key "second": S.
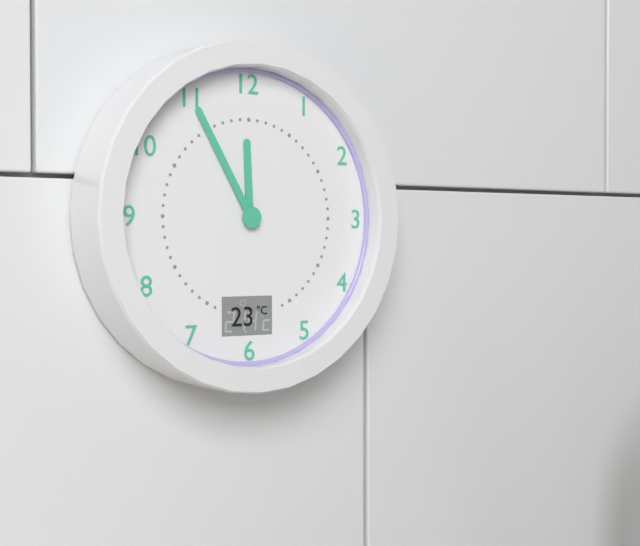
{"hour": 11, "minute": 55}
